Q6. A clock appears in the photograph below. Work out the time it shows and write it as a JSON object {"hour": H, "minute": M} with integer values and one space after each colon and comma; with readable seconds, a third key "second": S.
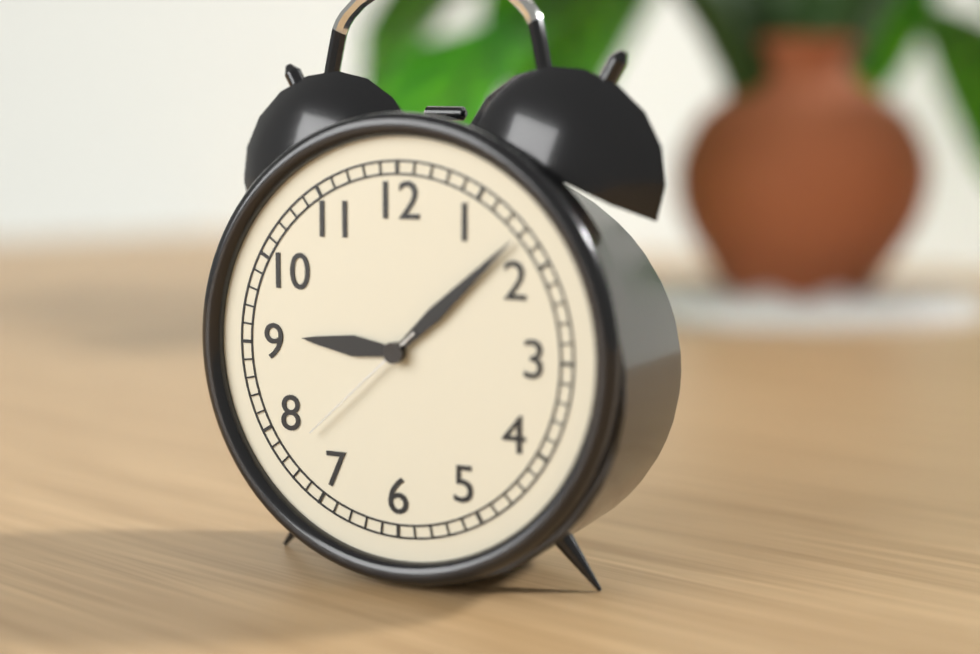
{"hour": 9, "minute": 8, "second": 38}
